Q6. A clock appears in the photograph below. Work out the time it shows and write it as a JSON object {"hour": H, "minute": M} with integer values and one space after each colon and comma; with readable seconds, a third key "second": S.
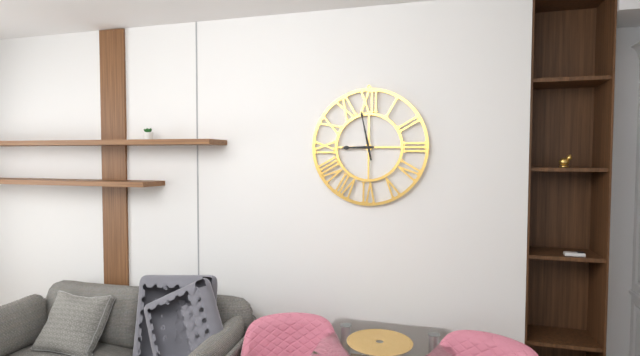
{"hour": 8, "minute": 58}
